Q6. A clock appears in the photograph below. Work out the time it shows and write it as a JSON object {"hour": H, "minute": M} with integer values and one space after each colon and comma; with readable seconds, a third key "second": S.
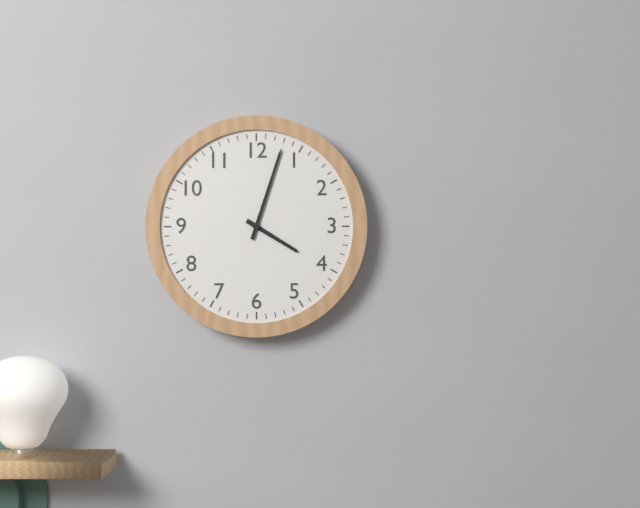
{"hour": 4, "minute": 3}
